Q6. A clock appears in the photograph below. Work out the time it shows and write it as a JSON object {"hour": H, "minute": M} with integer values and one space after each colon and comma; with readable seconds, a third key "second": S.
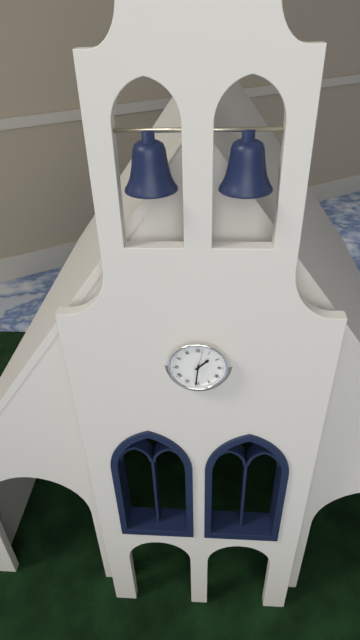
{"hour": 1, "minute": 31}
